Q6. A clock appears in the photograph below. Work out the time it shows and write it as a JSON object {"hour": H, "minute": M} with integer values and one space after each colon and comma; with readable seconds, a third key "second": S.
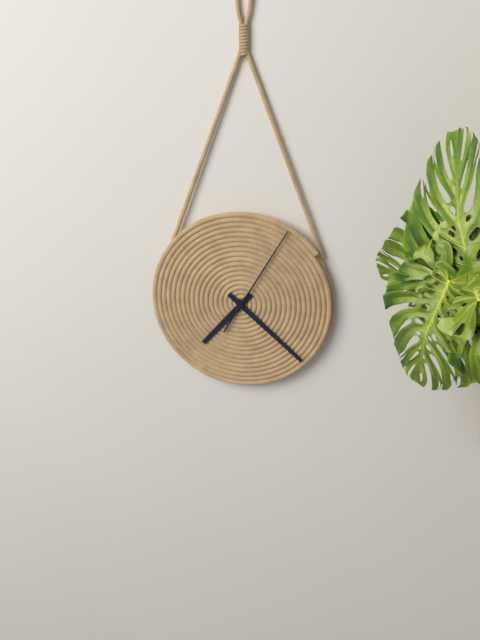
{"hour": 7, "minute": 22, "second": 5}
